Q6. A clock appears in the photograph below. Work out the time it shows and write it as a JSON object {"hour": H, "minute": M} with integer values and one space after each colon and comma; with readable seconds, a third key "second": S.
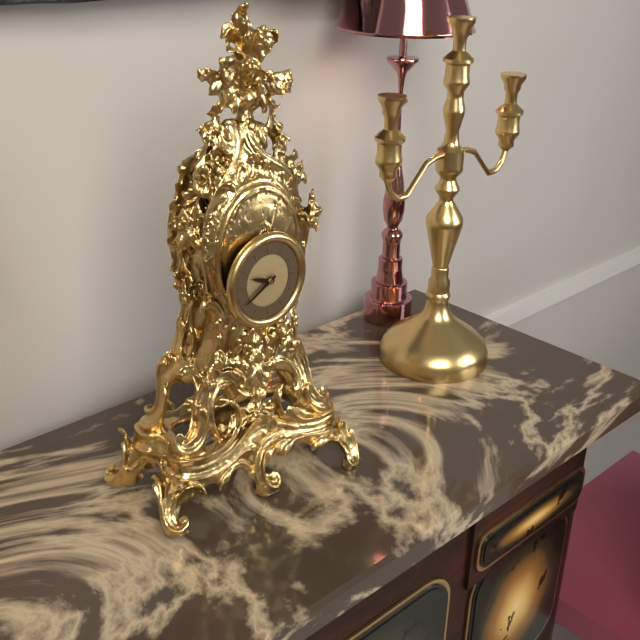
{"hour": 9, "minute": 40}
